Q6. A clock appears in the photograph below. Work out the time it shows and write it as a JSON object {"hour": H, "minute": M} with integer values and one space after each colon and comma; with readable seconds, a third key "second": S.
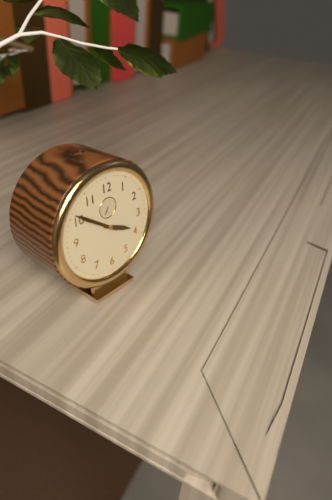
{"hour": 3, "minute": 51}
